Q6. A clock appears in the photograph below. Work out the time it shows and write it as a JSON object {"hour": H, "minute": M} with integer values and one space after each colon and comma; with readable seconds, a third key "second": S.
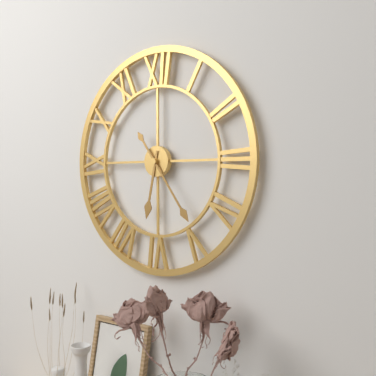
{"hour": 6, "minute": 24}
